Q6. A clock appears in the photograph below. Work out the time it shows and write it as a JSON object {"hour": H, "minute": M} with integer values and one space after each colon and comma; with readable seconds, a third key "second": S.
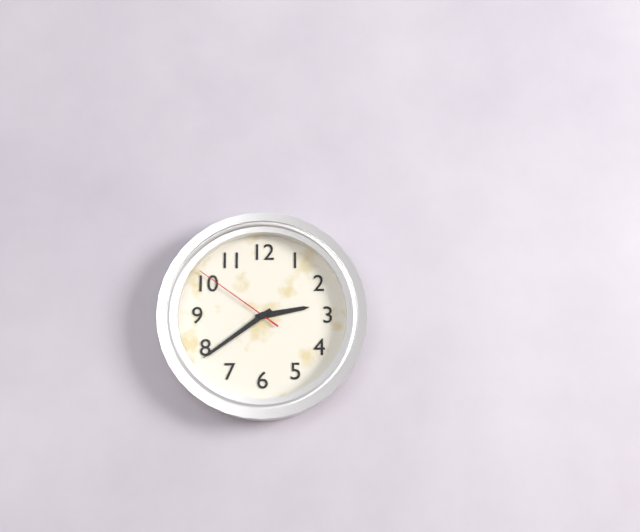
{"hour": 2, "minute": 39, "second": 51}
